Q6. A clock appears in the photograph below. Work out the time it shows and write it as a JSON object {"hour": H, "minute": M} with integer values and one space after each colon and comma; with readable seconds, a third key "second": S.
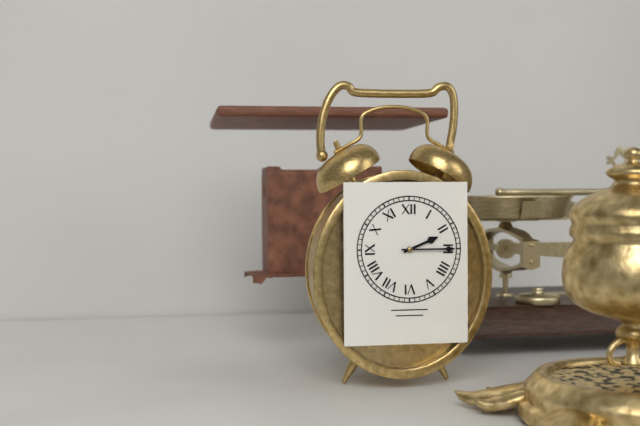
{"hour": 2, "minute": 15}
